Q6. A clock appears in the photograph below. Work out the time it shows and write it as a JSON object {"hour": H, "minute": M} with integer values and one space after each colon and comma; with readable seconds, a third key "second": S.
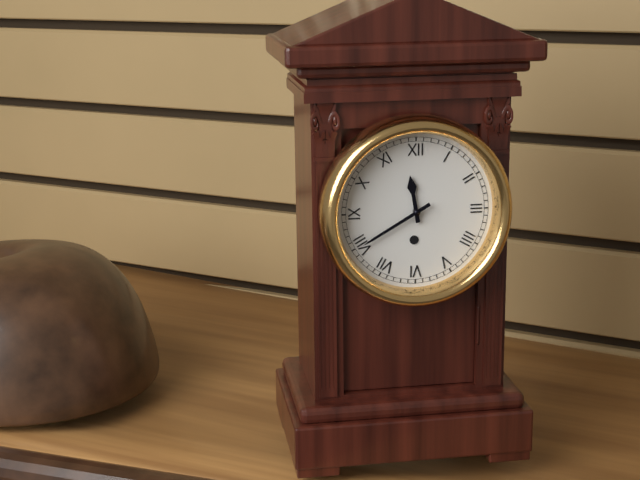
{"hour": 11, "minute": 40}
